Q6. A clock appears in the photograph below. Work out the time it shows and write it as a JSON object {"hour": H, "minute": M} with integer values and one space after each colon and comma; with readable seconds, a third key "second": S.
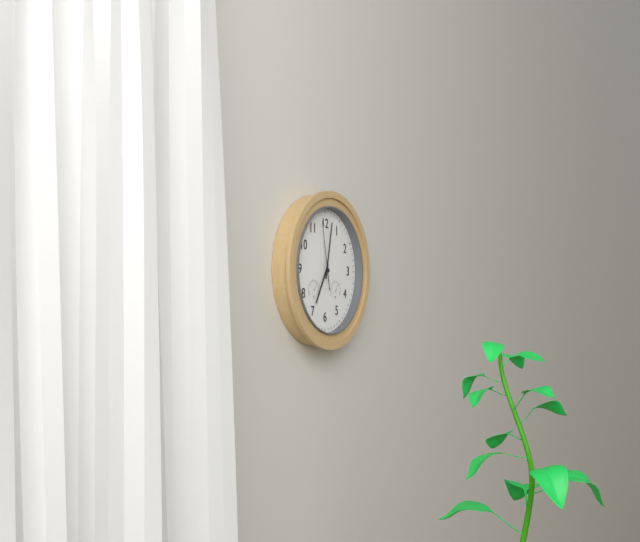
{"hour": 7, "minute": 2, "second": 58}
